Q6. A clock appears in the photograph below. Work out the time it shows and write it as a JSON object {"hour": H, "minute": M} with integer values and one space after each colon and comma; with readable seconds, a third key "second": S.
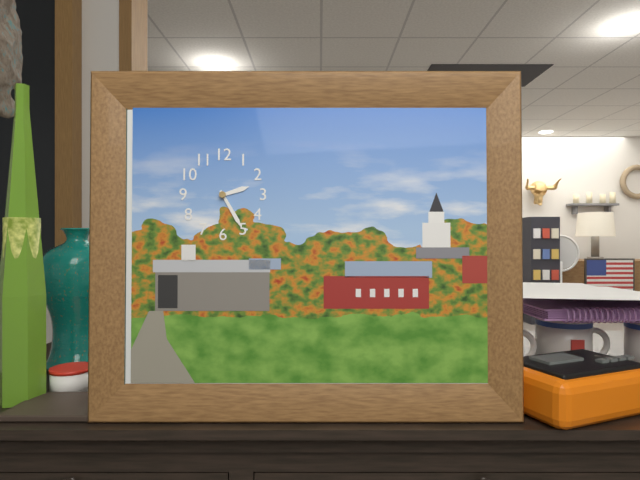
{"hour": 2, "minute": 25}
